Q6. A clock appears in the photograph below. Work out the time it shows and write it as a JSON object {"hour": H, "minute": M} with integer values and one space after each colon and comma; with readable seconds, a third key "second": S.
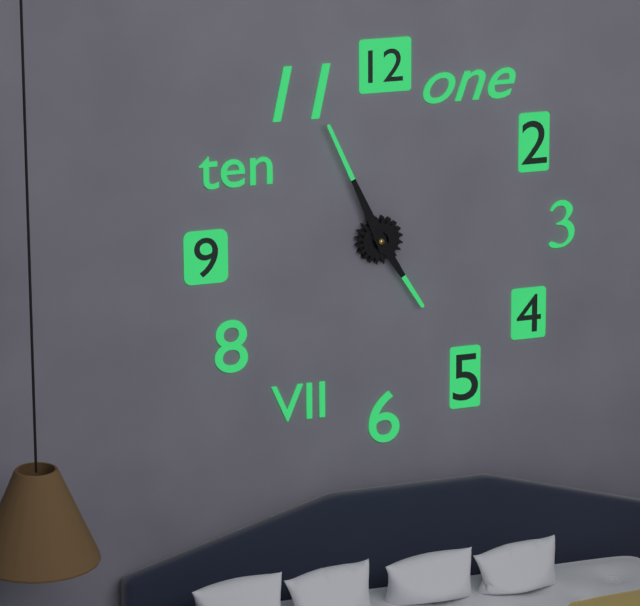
{"hour": 4, "minute": 56}
